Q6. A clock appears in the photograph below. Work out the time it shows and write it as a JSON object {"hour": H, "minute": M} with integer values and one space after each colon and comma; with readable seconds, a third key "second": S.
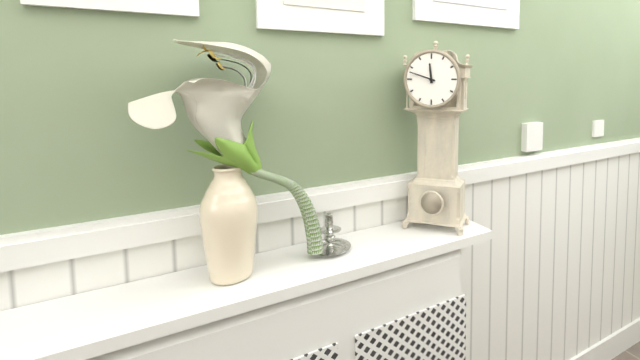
{"hour": 11, "minute": 48}
